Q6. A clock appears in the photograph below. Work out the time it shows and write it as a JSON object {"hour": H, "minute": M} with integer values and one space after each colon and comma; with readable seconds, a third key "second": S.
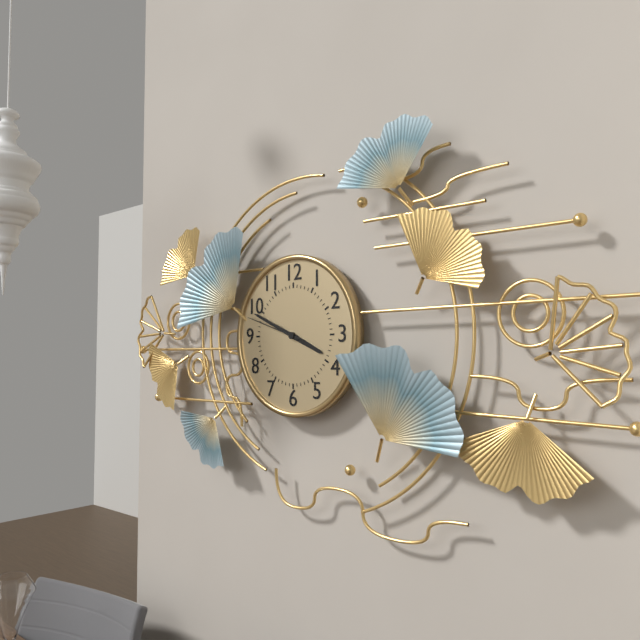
{"hour": 3, "minute": 49, "second": 48}
